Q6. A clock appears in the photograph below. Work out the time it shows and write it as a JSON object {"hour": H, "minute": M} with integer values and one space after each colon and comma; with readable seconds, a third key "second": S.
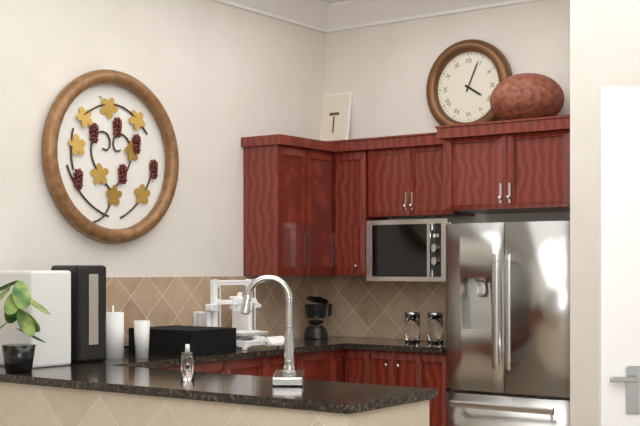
{"hour": 4, "minute": 4}
